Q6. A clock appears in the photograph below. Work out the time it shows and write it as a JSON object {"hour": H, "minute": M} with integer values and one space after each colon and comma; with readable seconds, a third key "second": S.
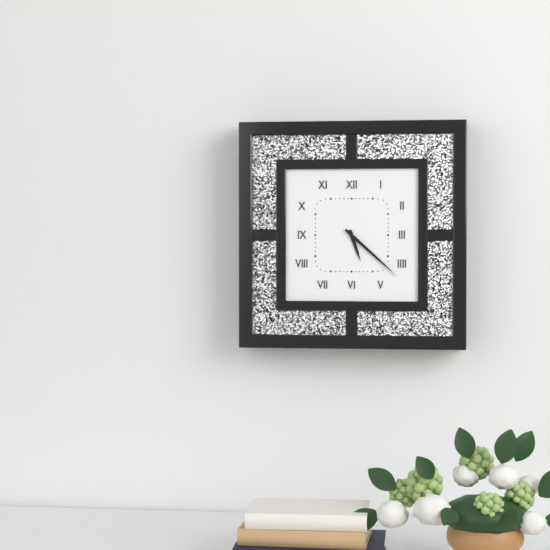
{"hour": 5, "minute": 22}
